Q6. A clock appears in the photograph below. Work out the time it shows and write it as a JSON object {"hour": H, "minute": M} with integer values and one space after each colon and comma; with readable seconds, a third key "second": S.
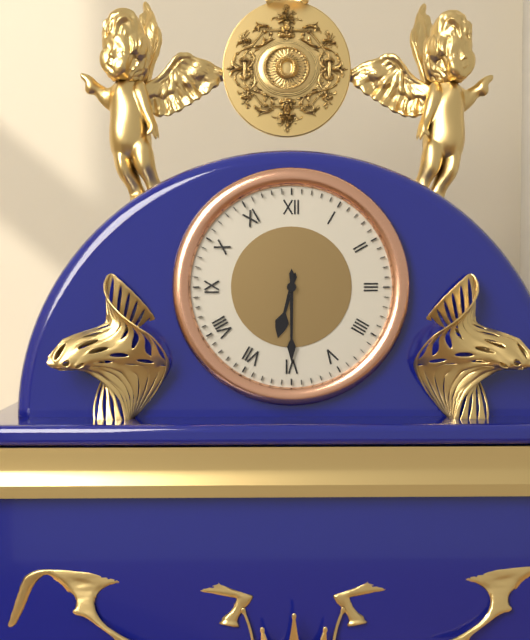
{"hour": 6, "minute": 30}
